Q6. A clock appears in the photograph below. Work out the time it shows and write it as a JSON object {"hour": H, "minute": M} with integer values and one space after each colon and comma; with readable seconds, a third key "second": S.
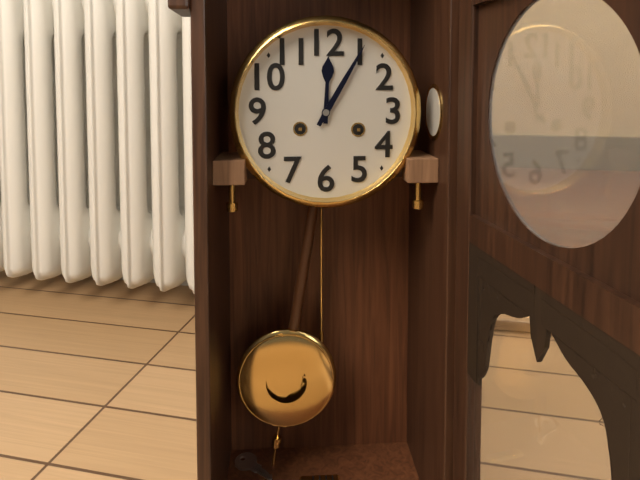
{"hour": 12, "minute": 5}
